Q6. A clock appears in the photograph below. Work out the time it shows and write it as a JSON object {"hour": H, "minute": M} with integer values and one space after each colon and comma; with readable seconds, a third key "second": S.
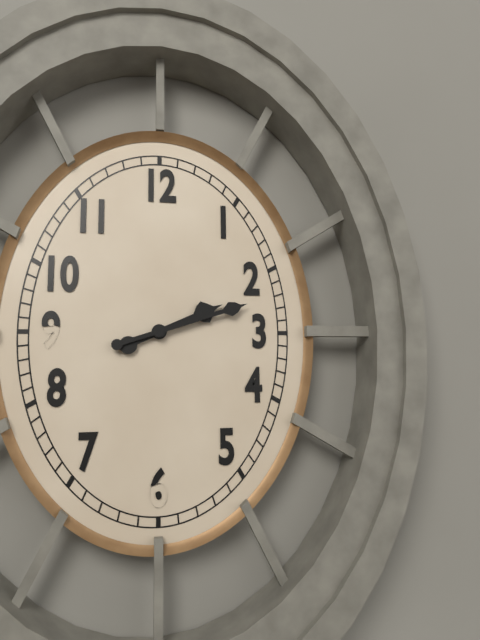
{"hour": 2, "minute": 12}
